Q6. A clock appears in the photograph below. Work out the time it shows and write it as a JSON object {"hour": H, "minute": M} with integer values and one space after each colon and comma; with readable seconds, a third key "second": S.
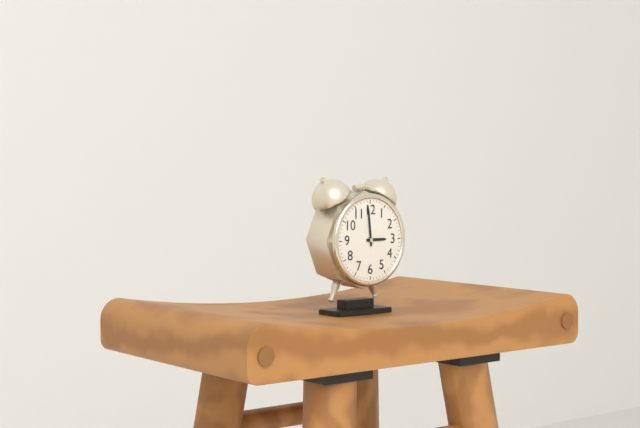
{"hour": 2, "minute": 59}
